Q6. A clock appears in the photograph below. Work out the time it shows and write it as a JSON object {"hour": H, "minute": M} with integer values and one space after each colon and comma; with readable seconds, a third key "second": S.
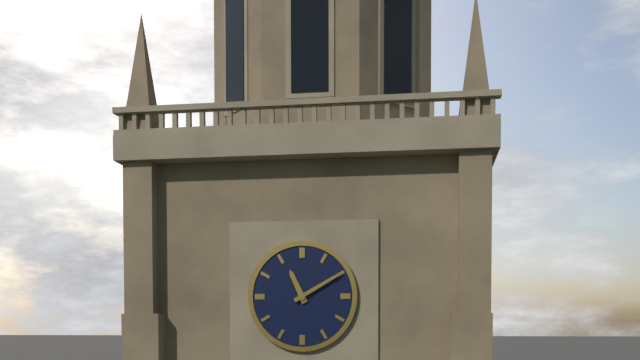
{"hour": 11, "minute": 10}
